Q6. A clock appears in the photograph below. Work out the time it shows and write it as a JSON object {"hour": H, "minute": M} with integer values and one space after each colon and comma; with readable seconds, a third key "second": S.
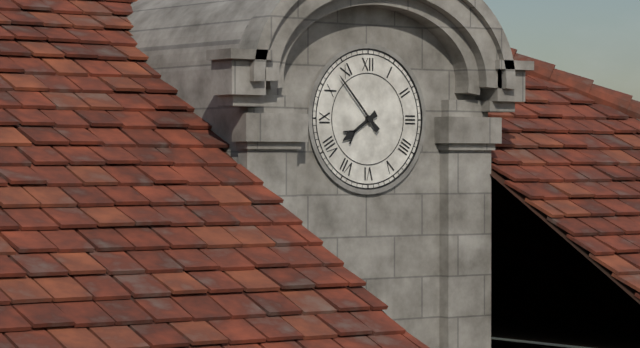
{"hour": 7, "minute": 53}
